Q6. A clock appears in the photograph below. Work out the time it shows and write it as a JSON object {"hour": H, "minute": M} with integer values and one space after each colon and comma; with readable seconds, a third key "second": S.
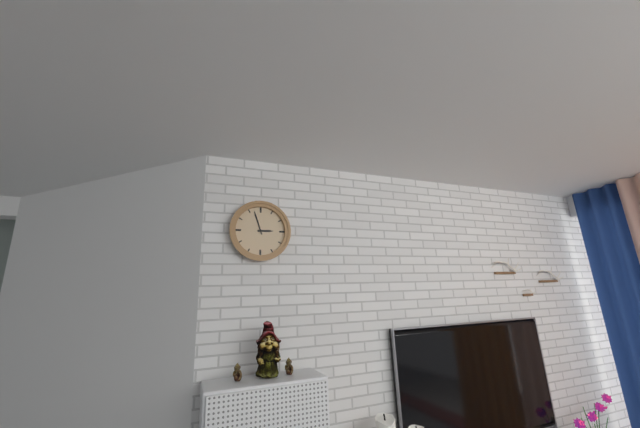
{"hour": 2, "minute": 57}
